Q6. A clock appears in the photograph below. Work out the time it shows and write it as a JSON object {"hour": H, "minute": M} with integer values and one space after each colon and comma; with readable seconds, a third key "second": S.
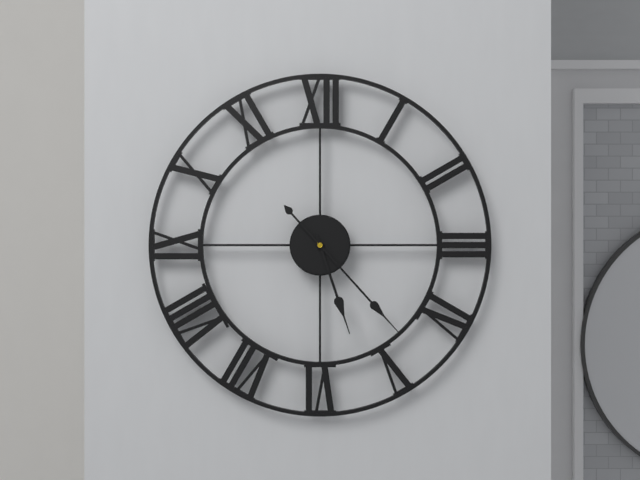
{"hour": 5, "minute": 23}
